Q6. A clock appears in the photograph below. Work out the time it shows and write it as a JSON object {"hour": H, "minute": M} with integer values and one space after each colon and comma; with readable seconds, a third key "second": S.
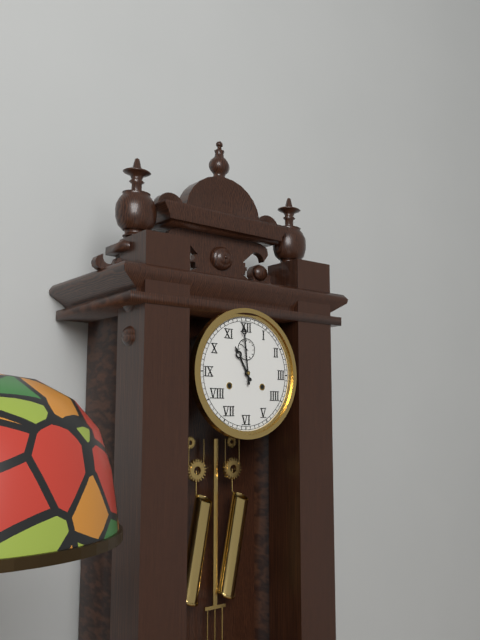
{"hour": 10, "minute": 59}
